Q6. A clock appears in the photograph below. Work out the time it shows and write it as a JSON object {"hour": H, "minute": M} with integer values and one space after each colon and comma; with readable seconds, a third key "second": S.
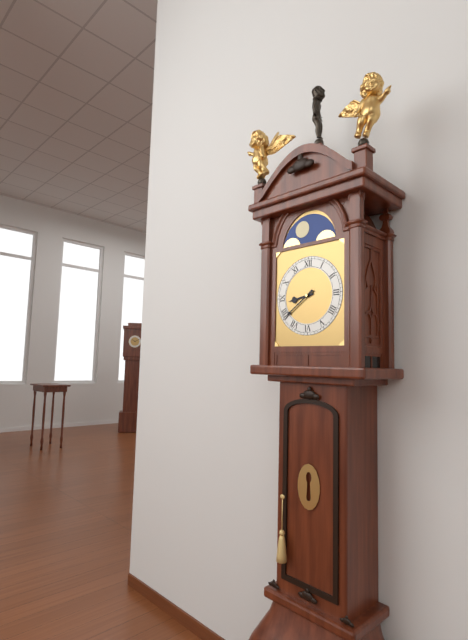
{"hour": 8, "minute": 39}
